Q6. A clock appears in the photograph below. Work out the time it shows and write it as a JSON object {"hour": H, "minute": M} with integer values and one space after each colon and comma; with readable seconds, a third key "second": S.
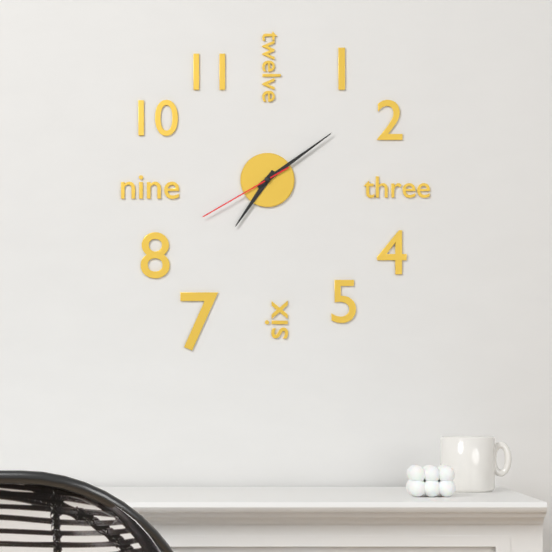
{"hour": 7, "minute": 9, "second": 40}
